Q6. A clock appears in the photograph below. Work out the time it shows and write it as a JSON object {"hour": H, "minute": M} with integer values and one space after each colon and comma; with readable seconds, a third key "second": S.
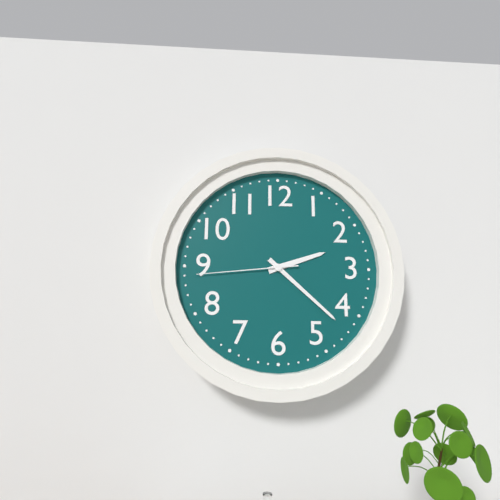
{"hour": 2, "minute": 22, "second": 44}
